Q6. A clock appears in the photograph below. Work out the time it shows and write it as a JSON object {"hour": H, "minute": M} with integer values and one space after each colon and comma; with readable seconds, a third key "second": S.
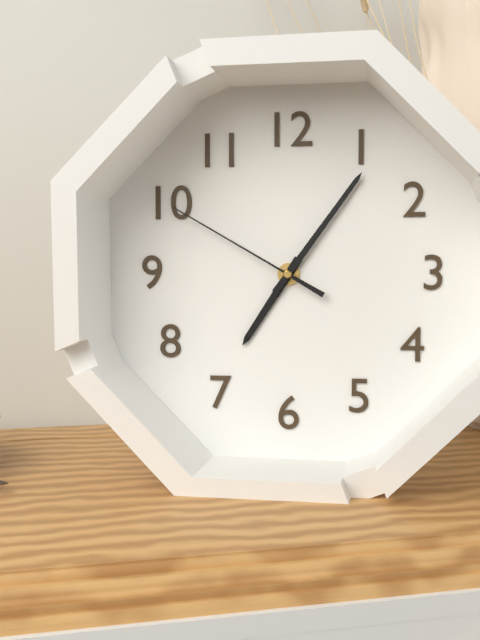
{"hour": 7, "minute": 6, "second": 50}
